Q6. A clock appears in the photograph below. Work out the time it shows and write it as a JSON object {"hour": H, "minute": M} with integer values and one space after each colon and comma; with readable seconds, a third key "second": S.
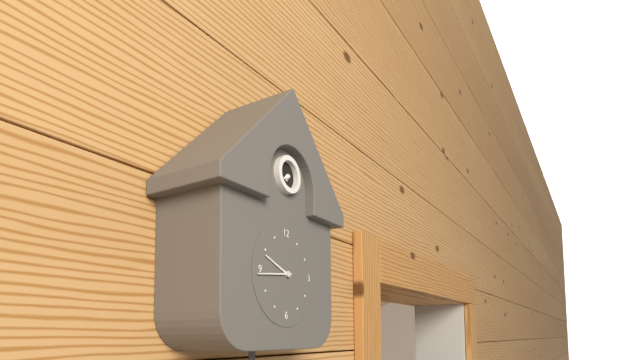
{"hour": 9, "minute": 44}
